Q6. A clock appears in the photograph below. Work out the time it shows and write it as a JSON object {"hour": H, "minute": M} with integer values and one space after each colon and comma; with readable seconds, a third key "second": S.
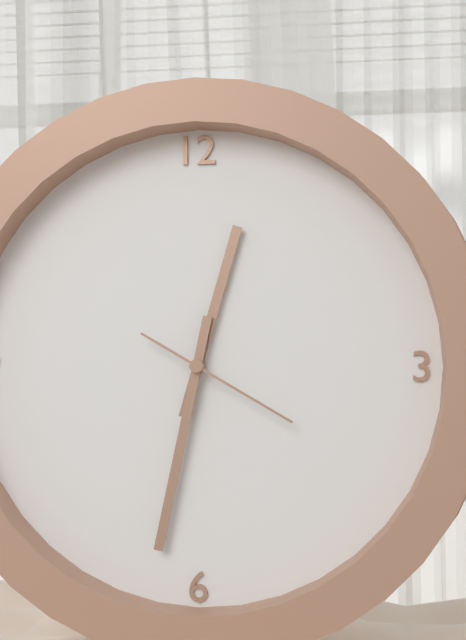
{"hour": 12, "minute": 32, "second": 20}
